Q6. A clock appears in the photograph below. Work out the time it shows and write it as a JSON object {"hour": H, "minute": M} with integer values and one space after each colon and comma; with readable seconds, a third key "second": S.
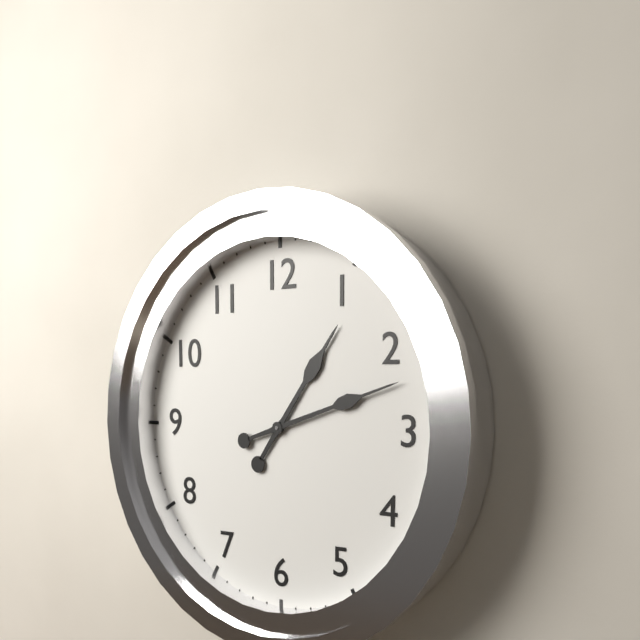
{"hour": 1, "minute": 12}
